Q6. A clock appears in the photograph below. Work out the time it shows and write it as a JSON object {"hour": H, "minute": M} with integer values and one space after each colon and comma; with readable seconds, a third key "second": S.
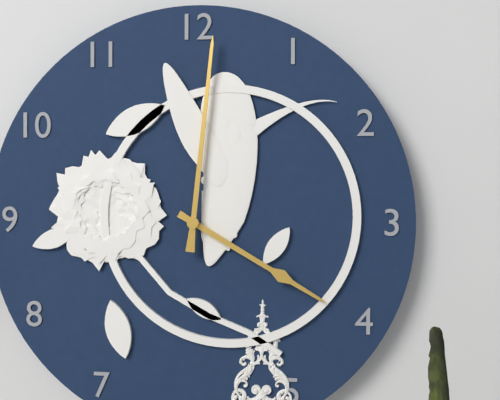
{"hour": 4, "minute": 1}
